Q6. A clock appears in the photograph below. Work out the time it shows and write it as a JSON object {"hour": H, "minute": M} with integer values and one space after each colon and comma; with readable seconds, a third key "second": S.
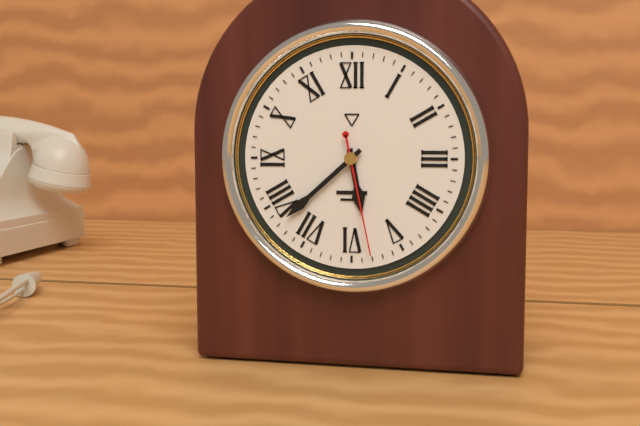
{"hour": 5, "minute": 38, "second": 28}
